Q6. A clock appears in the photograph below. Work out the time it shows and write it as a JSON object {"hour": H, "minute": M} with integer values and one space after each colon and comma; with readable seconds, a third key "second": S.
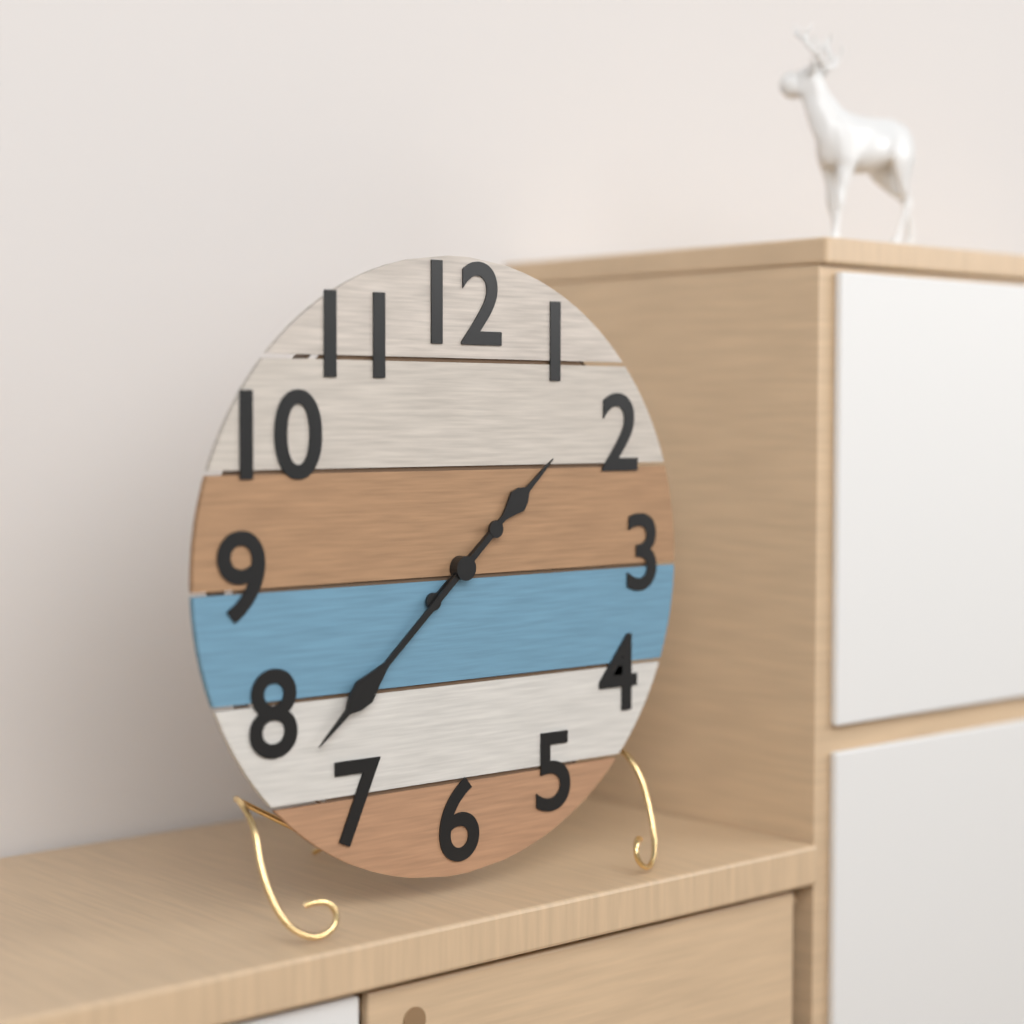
{"hour": 1, "minute": 38}
